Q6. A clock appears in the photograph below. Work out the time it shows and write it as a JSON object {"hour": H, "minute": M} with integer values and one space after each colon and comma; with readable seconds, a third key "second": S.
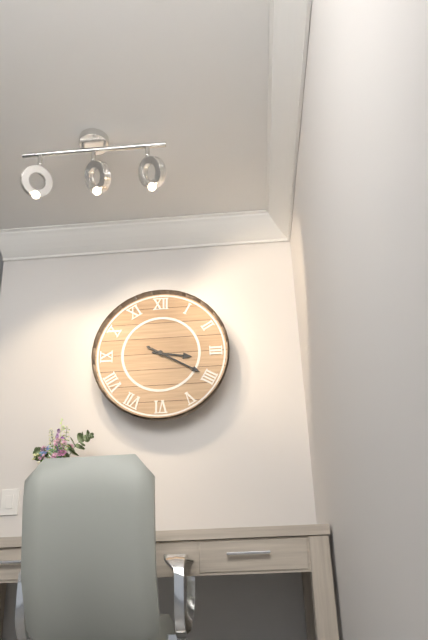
{"hour": 3, "minute": 20}
